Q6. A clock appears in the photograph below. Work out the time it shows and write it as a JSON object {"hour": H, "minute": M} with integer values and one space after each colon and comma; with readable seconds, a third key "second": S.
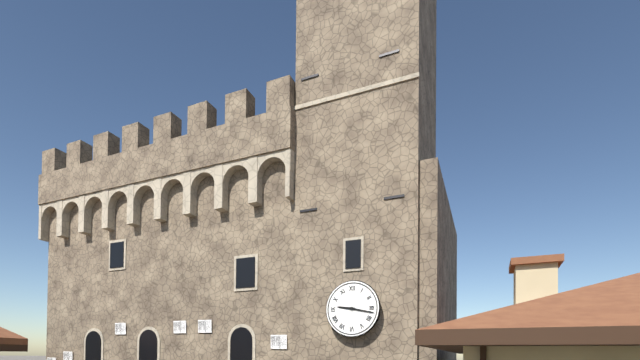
{"hour": 9, "minute": 17}
